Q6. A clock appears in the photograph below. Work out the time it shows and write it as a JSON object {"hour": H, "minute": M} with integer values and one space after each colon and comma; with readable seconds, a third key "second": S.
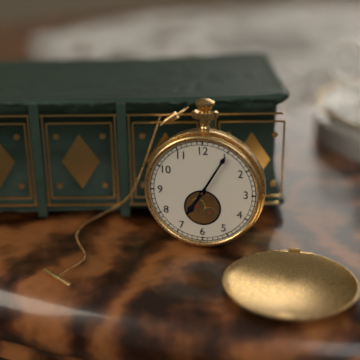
{"hour": 7, "minute": 5}
